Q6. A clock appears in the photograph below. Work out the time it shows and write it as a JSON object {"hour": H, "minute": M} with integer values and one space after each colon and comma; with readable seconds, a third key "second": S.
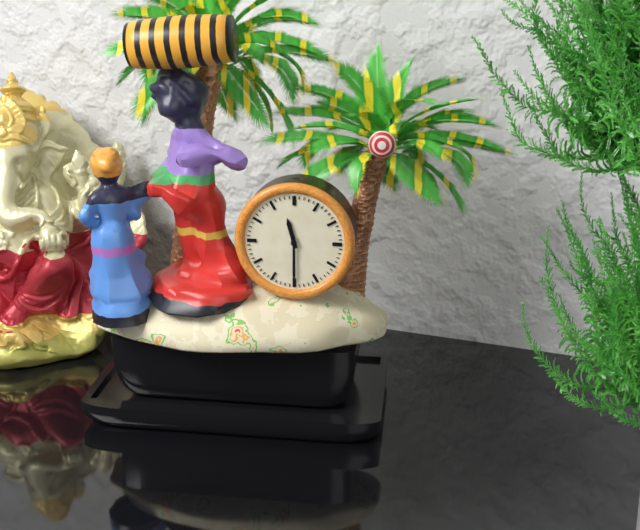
{"hour": 11, "minute": 30}
